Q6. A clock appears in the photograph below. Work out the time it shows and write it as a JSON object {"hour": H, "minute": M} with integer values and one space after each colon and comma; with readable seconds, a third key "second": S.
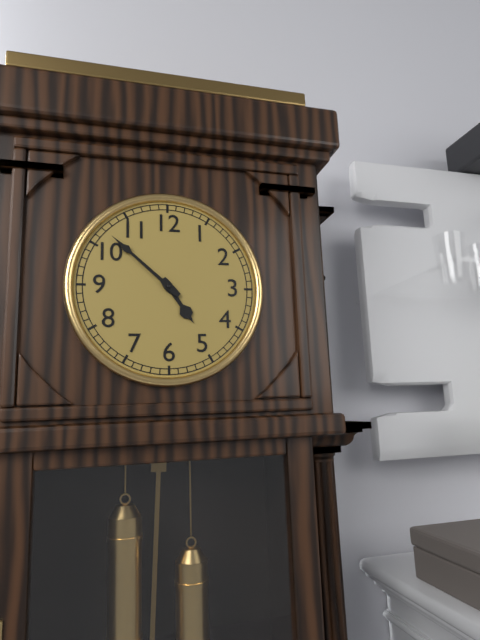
{"hour": 4, "minute": 52}
